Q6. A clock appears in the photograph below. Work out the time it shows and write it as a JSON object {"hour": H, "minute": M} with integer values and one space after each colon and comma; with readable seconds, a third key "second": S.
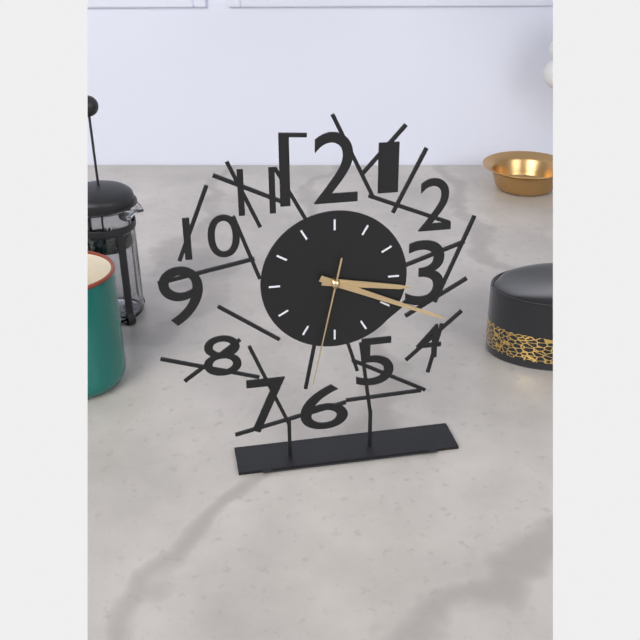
{"hour": 3, "minute": 19, "second": 32}
